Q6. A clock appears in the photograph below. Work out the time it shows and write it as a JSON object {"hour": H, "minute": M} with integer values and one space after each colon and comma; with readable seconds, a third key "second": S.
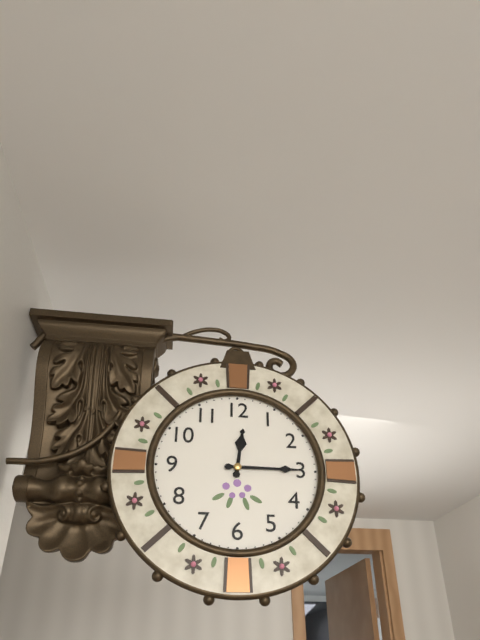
{"hour": 12, "minute": 15}
